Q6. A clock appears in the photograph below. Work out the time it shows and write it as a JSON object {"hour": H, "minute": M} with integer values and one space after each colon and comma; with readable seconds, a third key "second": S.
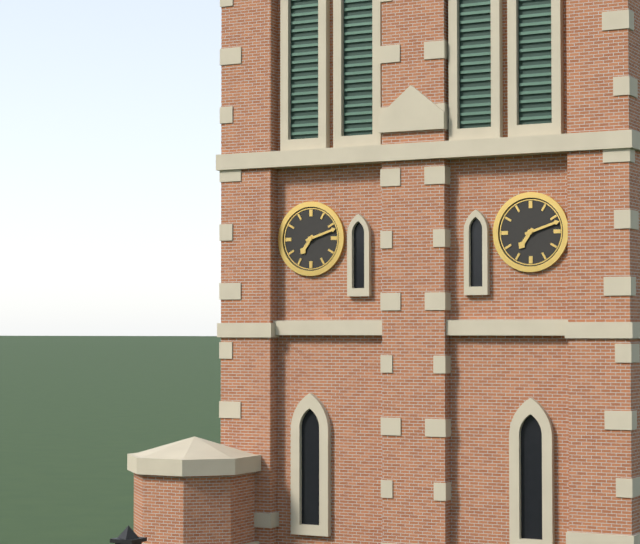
{"hour": 7, "minute": 12}
